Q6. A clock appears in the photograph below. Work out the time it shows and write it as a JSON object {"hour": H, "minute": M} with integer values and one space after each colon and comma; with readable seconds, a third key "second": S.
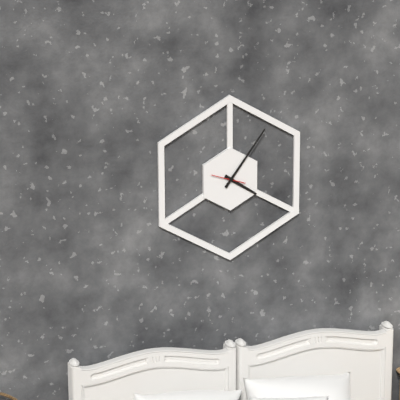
{"hour": 4, "minute": 6}
